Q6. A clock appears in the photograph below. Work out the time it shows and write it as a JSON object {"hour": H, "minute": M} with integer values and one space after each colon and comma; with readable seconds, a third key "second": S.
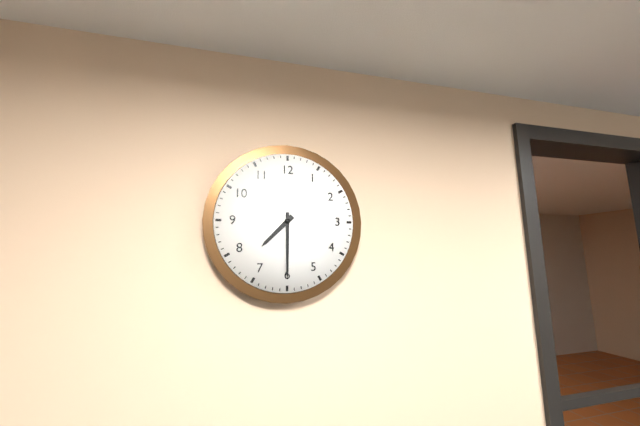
{"hour": 7, "minute": 30}
